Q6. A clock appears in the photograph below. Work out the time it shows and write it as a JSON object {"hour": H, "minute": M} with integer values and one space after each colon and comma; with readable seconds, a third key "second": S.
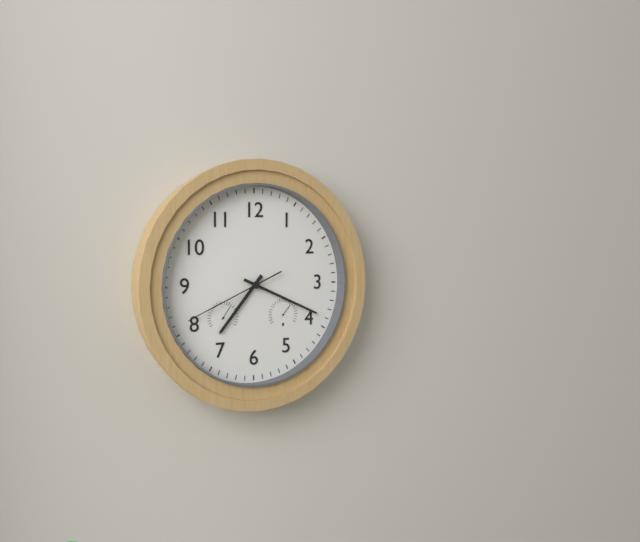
{"hour": 7, "minute": 19, "second": 41}
